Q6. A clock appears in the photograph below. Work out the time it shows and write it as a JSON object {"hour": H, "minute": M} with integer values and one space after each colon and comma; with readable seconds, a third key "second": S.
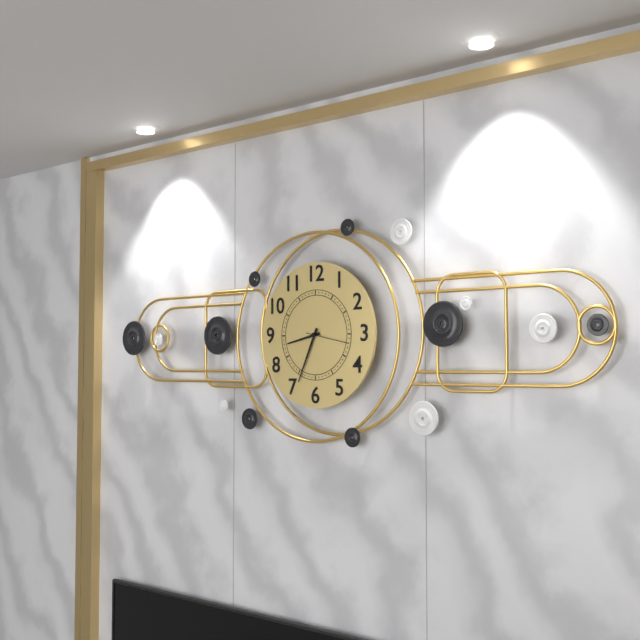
{"hour": 8, "minute": 34}
